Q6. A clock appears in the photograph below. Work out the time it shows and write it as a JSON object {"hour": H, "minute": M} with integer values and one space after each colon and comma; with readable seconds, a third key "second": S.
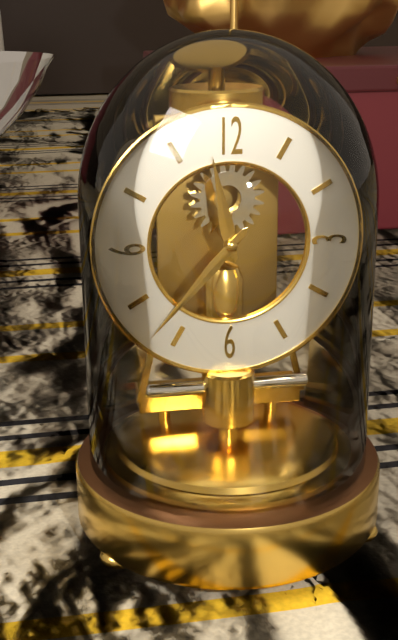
{"hour": 11, "minute": 37}
